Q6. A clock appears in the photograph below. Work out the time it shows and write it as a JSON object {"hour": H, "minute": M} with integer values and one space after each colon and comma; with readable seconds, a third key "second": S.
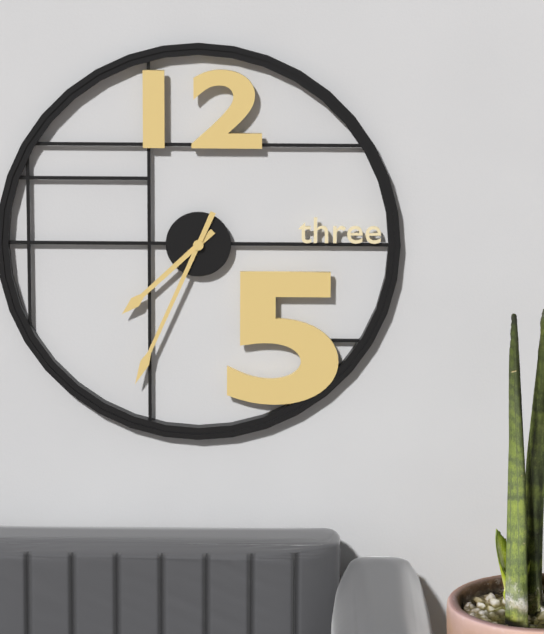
{"hour": 7, "minute": 34}
